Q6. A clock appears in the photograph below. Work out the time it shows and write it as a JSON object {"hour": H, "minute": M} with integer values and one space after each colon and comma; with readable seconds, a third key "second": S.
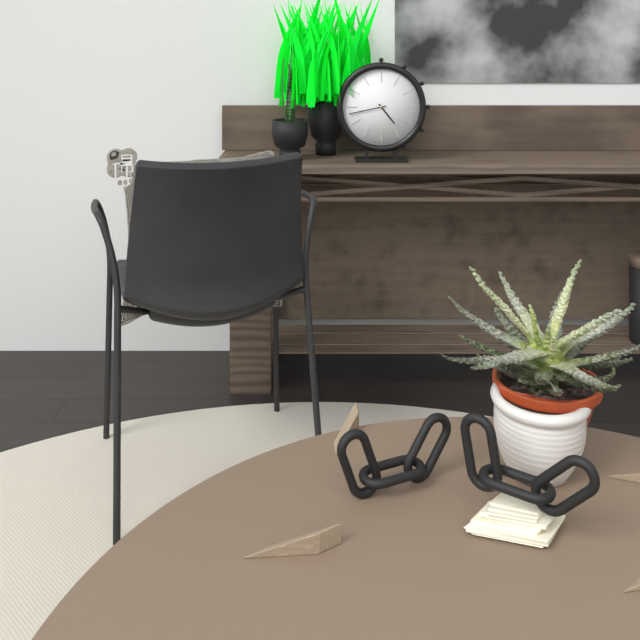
{"hour": 4, "minute": 43}
